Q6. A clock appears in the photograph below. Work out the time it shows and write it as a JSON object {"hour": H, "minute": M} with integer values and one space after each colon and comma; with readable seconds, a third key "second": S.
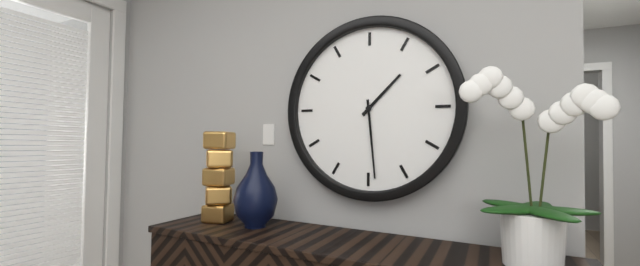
{"hour": 1, "minute": 29}
